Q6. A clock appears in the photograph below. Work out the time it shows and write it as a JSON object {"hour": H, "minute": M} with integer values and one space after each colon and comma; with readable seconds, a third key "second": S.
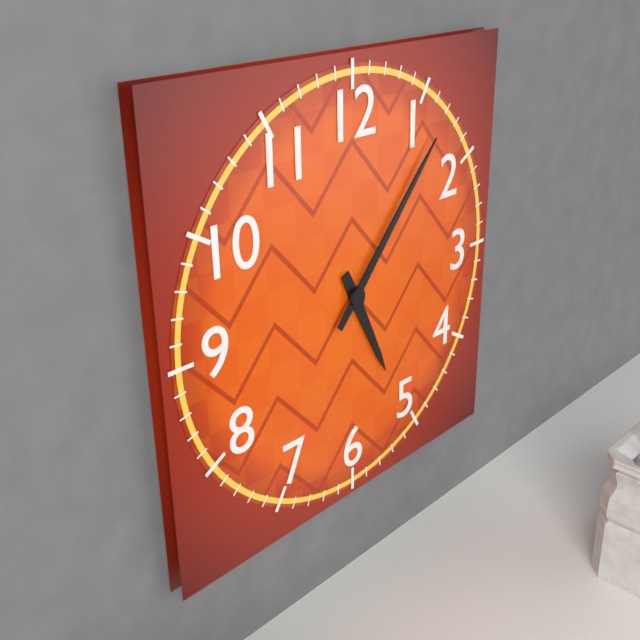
{"hour": 5, "minute": 7}
